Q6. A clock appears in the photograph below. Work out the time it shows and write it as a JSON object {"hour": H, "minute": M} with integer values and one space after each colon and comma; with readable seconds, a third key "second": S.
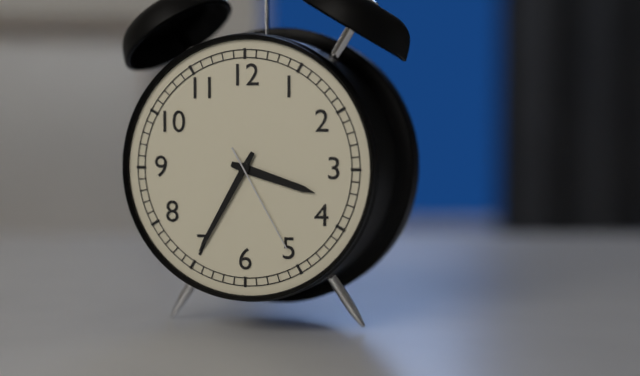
{"hour": 3, "minute": 35, "second": 25}
